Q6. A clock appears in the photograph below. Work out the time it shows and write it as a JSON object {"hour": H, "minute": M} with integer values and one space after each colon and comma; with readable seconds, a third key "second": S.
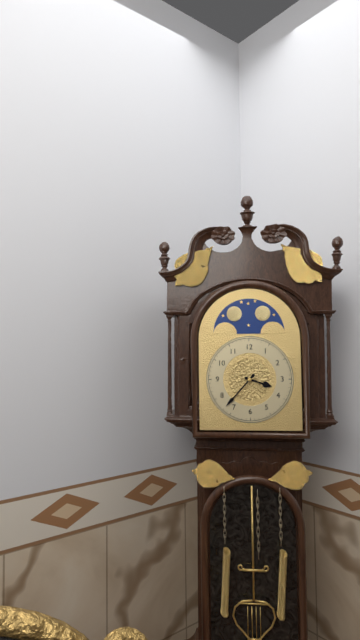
{"hour": 3, "minute": 37}
